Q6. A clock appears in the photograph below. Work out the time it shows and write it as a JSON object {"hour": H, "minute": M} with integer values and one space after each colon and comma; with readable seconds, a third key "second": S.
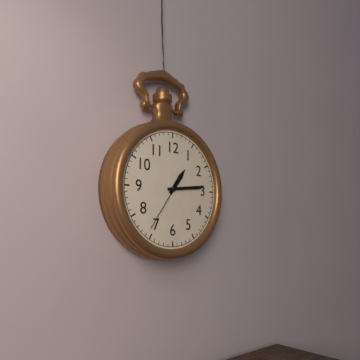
{"hour": 1, "minute": 14, "second": 36}
